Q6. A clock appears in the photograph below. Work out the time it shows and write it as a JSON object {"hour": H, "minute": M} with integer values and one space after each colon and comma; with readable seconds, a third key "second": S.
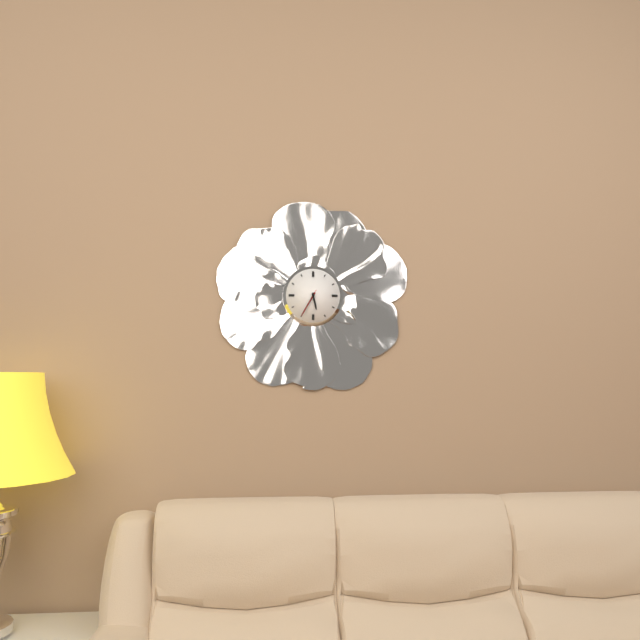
{"hour": 5, "minute": 35}
